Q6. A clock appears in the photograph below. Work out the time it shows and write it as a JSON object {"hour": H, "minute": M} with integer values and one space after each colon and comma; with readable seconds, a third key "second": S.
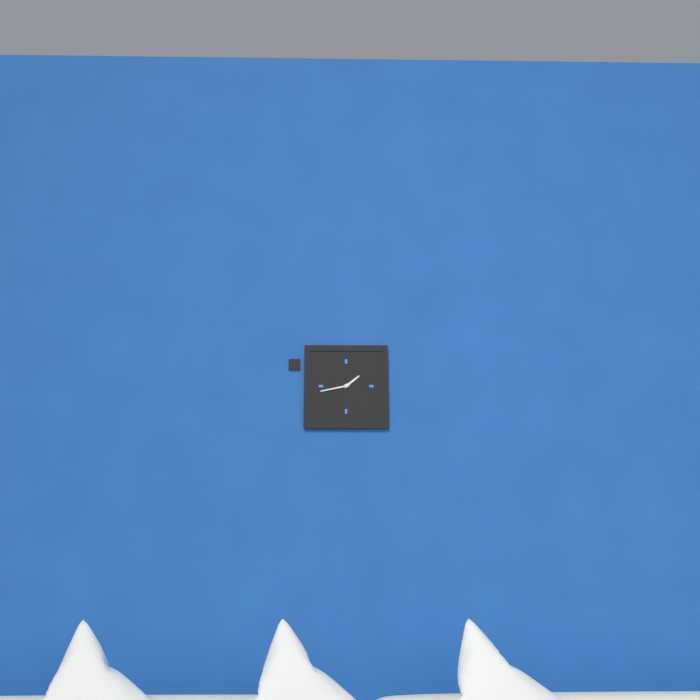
{"hour": 1, "minute": 43}
